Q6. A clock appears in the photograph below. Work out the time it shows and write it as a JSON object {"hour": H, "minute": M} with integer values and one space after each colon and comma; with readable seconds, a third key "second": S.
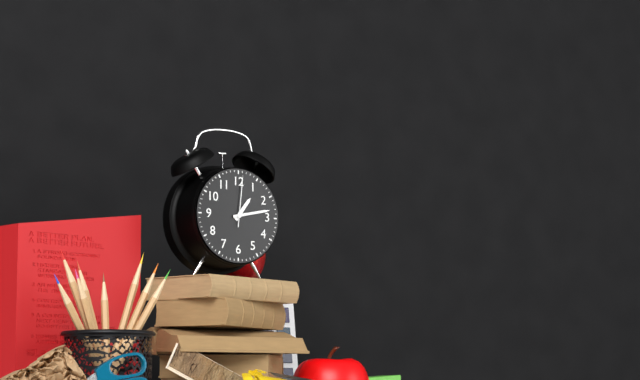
{"hour": 1, "minute": 13, "second": 1}
